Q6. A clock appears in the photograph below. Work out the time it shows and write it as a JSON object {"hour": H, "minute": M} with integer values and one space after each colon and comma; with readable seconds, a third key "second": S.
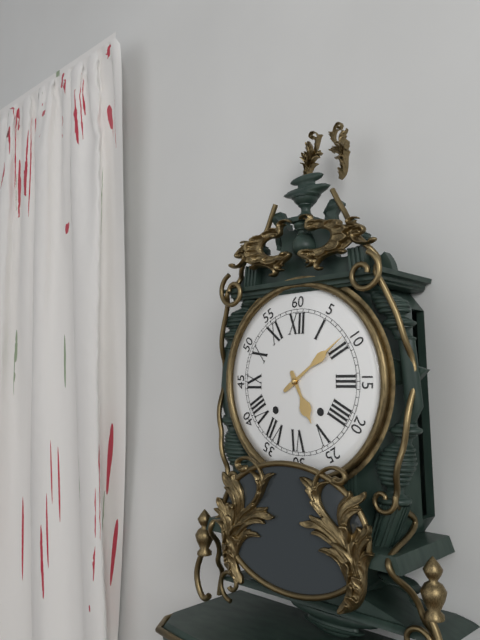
{"hour": 5, "minute": 9}
